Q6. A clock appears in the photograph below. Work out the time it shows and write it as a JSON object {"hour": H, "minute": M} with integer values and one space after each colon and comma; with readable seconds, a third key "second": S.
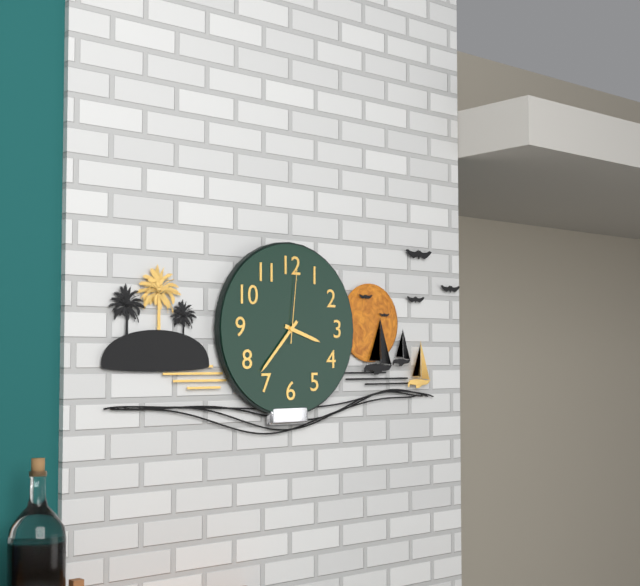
{"hour": 3, "minute": 37, "second": 1}
